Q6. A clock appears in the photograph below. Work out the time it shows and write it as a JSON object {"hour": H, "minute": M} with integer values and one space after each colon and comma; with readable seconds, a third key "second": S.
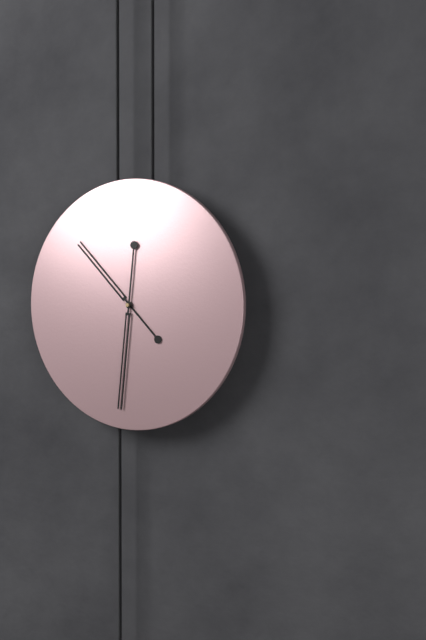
{"hour": 10, "minute": 31}
